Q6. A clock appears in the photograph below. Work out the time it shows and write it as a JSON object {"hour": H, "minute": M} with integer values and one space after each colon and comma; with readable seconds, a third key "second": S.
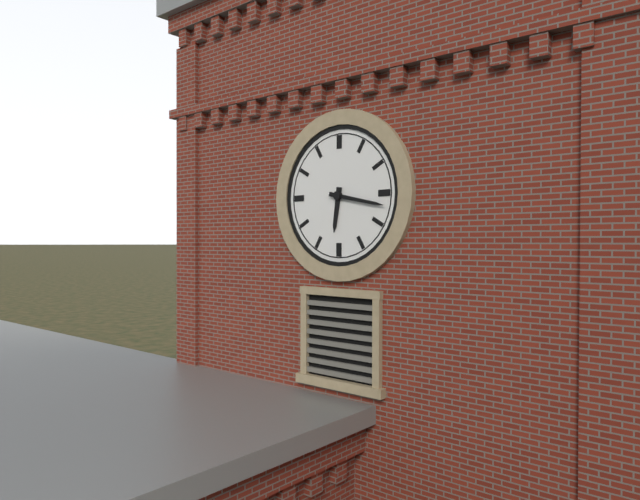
{"hour": 6, "minute": 17}
